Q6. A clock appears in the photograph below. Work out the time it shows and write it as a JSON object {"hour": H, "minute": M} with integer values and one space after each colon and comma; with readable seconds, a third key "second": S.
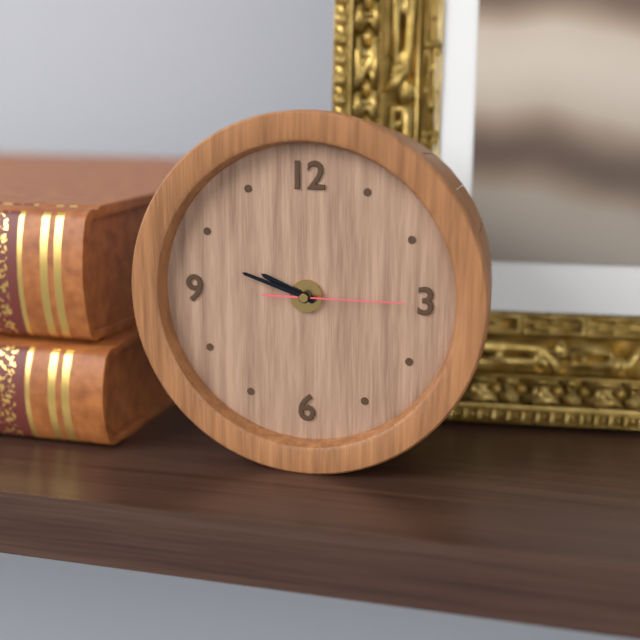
{"hour": 9, "minute": 48, "second": 15}
